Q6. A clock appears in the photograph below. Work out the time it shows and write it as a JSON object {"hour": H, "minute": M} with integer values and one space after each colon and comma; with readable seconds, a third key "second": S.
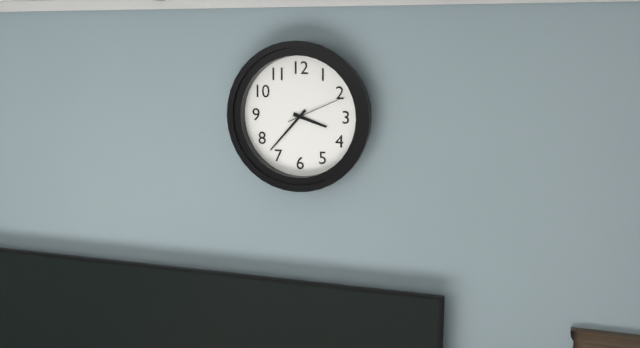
{"hour": 3, "minute": 37, "second": 11}
